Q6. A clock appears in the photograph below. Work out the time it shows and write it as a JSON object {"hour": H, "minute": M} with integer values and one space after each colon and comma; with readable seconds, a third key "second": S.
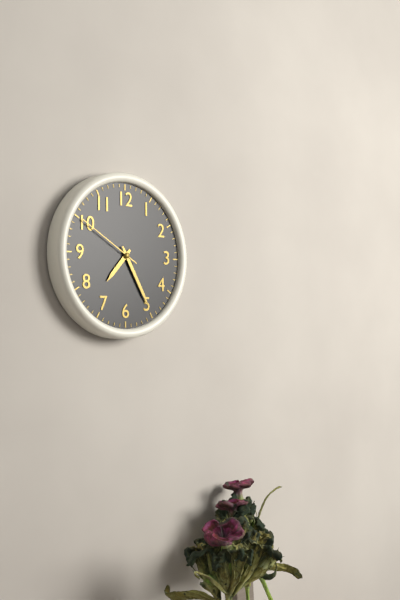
{"hour": 7, "minute": 25, "second": 50}
